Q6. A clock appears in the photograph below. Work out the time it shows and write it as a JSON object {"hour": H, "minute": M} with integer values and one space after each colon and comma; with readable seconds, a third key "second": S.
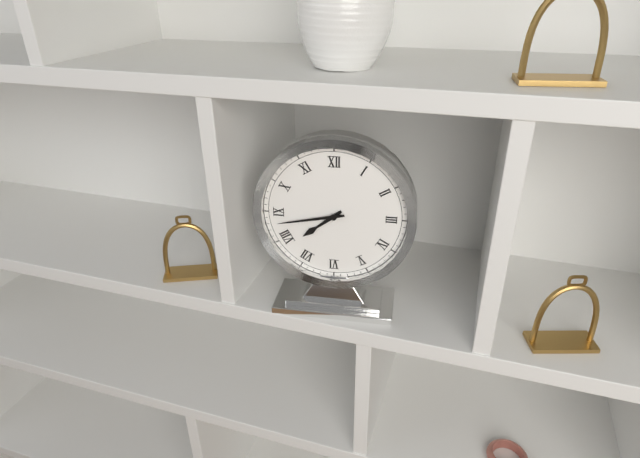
{"hour": 7, "minute": 43}
